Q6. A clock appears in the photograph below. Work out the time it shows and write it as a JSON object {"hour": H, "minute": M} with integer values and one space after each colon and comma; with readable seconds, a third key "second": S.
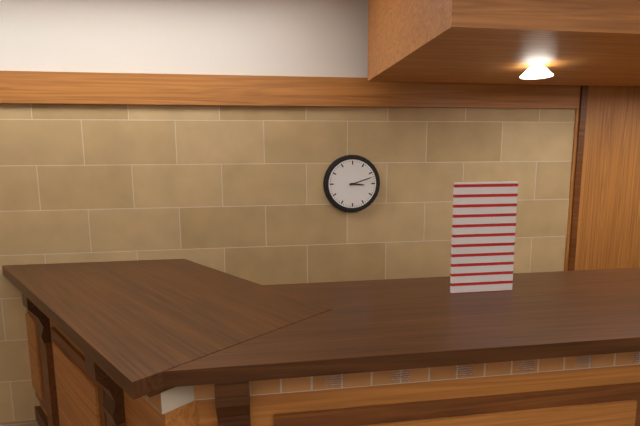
{"hour": 3, "minute": 12}
